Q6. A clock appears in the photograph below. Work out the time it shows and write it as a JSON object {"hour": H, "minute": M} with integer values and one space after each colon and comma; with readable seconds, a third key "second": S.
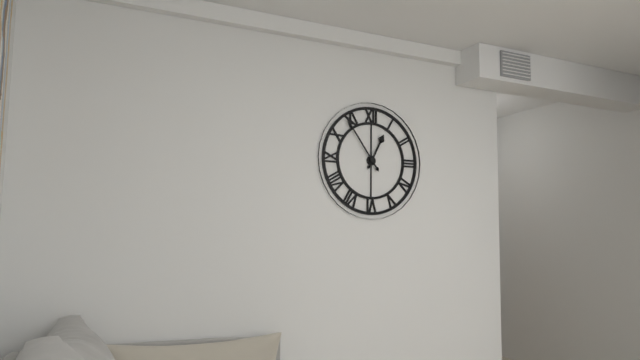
{"hour": 12, "minute": 54}
